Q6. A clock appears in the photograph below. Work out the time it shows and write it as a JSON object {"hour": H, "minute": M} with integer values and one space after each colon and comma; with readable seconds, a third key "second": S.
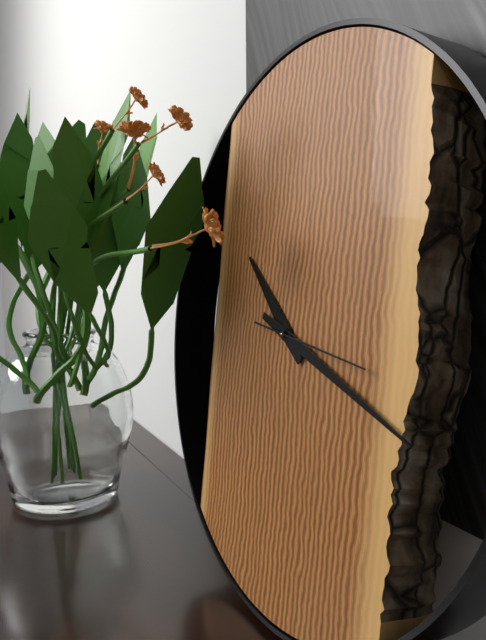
{"hour": 10, "minute": 18, "second": 16}
